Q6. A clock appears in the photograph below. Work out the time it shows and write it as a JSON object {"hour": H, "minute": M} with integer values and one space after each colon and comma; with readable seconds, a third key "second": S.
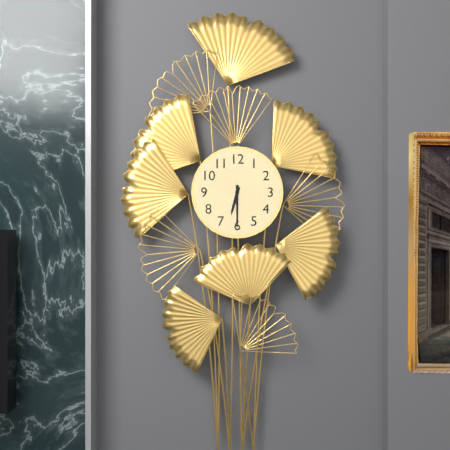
{"hour": 6, "minute": 30}
